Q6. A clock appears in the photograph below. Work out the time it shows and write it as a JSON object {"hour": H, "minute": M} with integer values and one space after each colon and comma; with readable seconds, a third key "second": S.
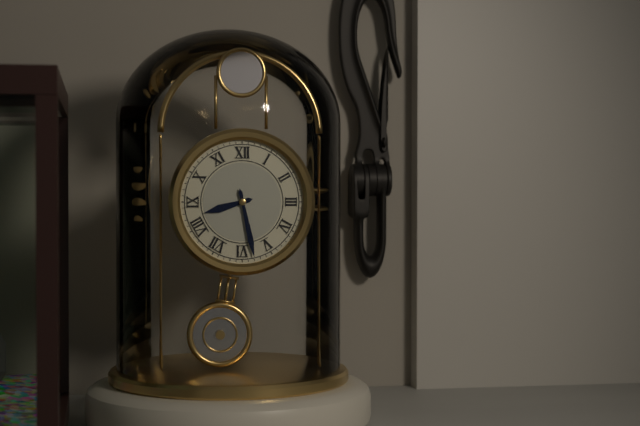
{"hour": 8, "minute": 28}
